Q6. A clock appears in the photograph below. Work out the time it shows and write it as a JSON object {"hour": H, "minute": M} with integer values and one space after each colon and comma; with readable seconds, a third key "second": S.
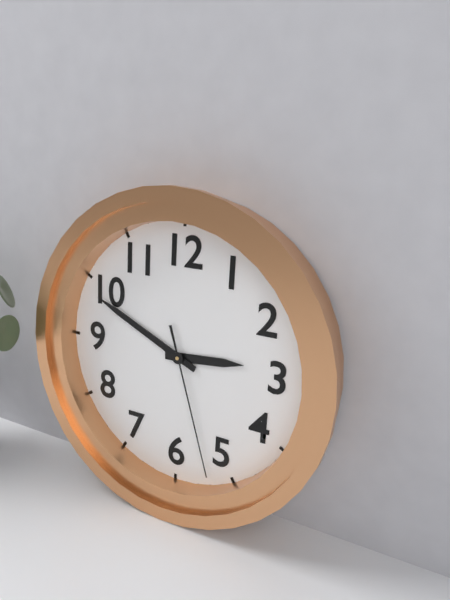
{"hour": 2, "minute": 49, "second": 27}
